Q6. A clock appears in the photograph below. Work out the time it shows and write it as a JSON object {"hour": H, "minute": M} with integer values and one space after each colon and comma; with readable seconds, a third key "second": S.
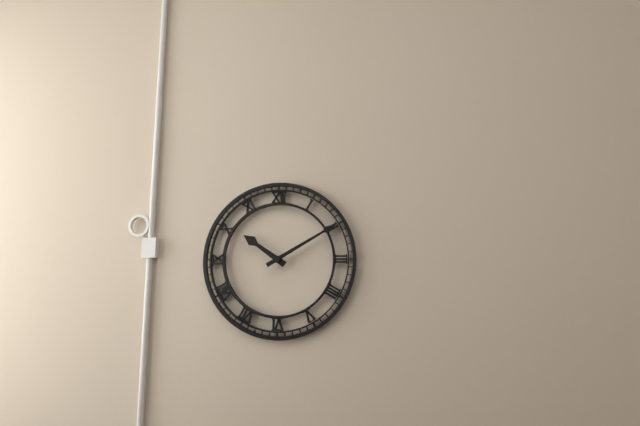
{"hour": 10, "minute": 10}
